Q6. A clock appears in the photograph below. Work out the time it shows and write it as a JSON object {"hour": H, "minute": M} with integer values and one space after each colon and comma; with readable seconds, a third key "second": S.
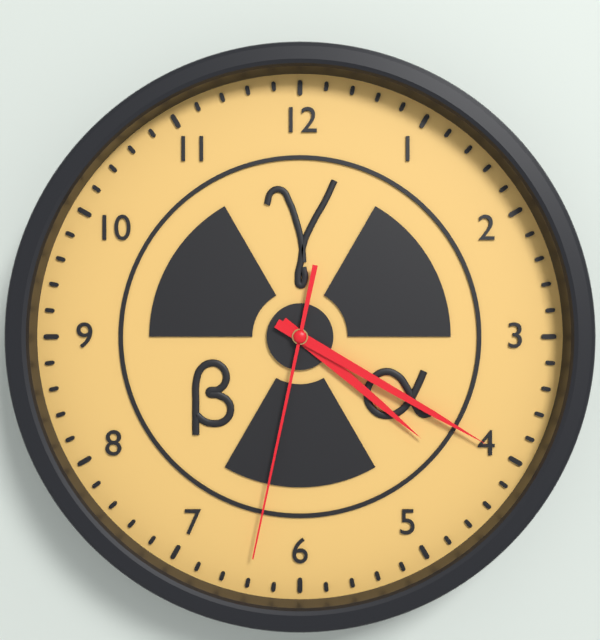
{"hour": 4, "minute": 20, "second": 32}
